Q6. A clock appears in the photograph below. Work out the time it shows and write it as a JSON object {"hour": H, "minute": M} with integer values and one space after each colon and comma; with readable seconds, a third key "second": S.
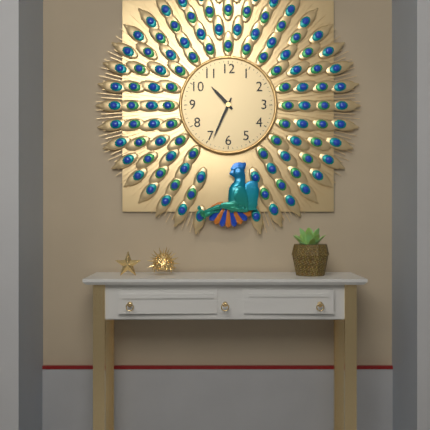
{"hour": 10, "minute": 34}
